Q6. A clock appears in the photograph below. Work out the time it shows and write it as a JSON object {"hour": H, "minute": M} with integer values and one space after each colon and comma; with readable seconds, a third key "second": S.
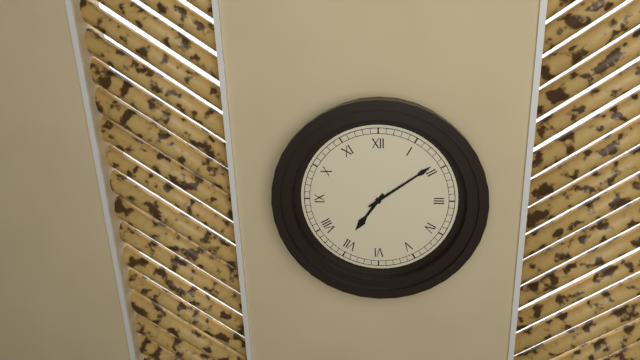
{"hour": 7, "minute": 9}
